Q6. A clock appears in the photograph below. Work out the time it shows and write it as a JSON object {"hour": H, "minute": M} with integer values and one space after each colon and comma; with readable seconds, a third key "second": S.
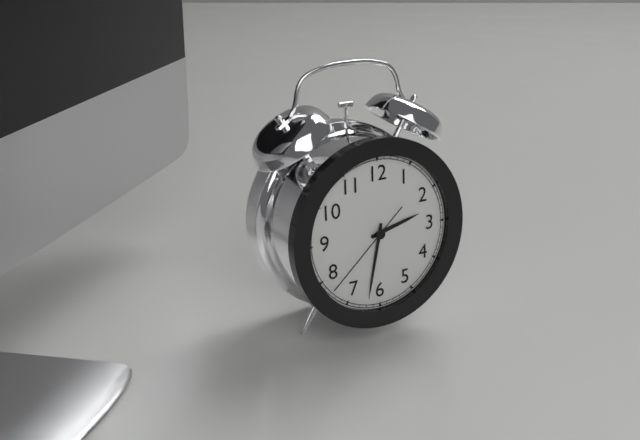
{"hour": 2, "minute": 32, "second": 38}
